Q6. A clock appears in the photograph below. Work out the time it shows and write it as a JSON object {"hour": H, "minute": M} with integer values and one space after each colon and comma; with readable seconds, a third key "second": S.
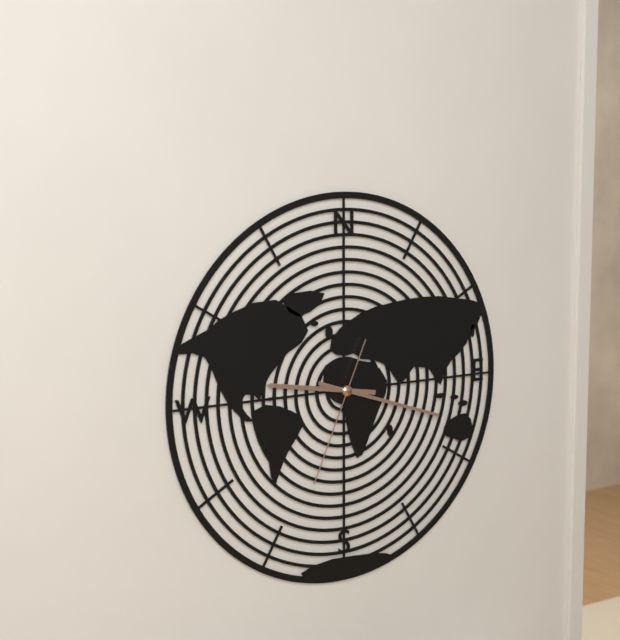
{"hour": 9, "minute": 18, "second": 34}
